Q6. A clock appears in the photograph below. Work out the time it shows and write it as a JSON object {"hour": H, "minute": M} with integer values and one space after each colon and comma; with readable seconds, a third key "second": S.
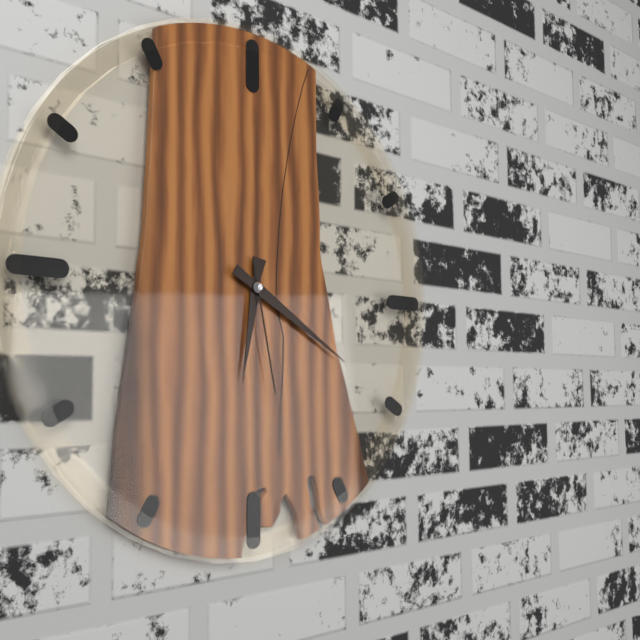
{"hour": 6, "minute": 20, "second": 28}
